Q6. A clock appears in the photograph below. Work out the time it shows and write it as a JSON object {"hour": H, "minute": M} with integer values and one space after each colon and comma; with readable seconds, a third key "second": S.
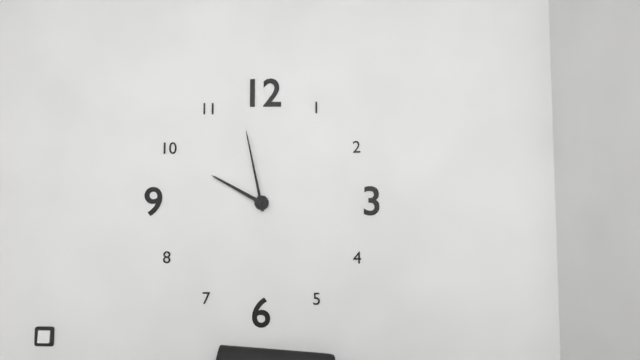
{"hour": 9, "minute": 58}
